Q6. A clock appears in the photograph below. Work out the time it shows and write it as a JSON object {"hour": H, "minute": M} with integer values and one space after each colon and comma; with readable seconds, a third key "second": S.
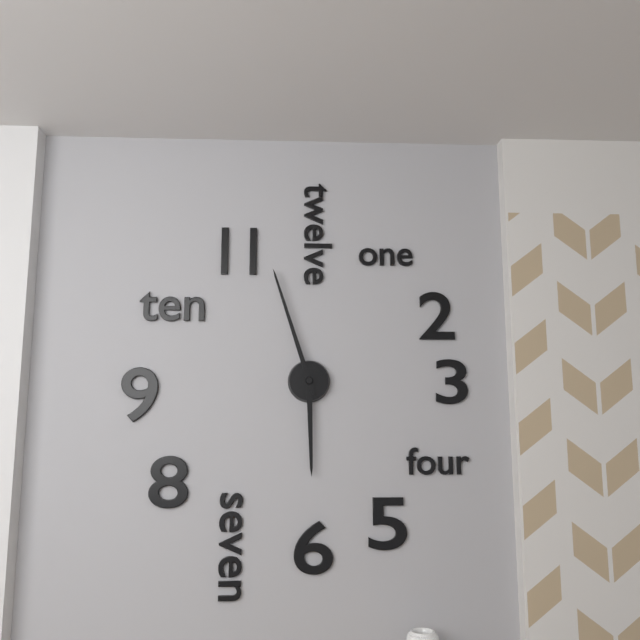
{"hour": 5, "minute": 57}
